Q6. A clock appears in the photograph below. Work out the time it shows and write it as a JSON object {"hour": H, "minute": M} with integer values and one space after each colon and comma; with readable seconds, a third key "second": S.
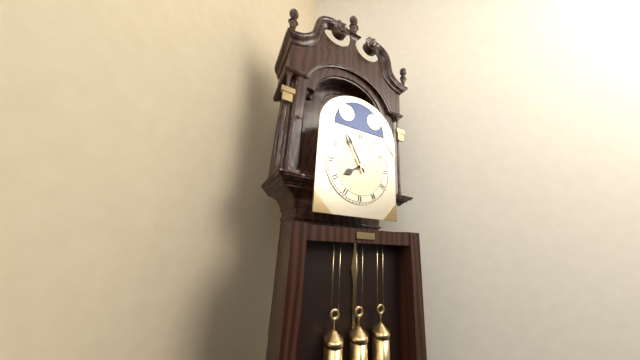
{"hour": 7, "minute": 55}
